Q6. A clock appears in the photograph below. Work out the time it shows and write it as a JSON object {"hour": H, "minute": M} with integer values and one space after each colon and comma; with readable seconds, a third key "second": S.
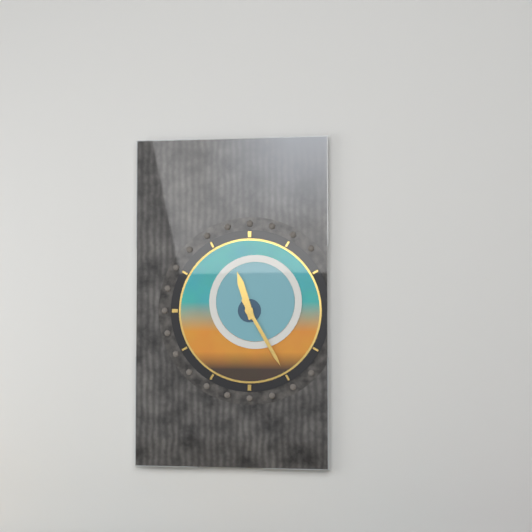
{"hour": 11, "minute": 25}
